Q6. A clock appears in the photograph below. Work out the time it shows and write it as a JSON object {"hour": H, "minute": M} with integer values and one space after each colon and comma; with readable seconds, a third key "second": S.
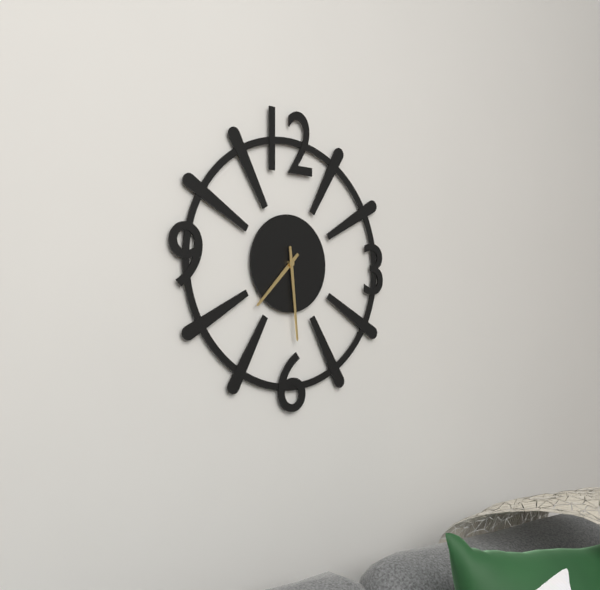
{"hour": 7, "minute": 29}
